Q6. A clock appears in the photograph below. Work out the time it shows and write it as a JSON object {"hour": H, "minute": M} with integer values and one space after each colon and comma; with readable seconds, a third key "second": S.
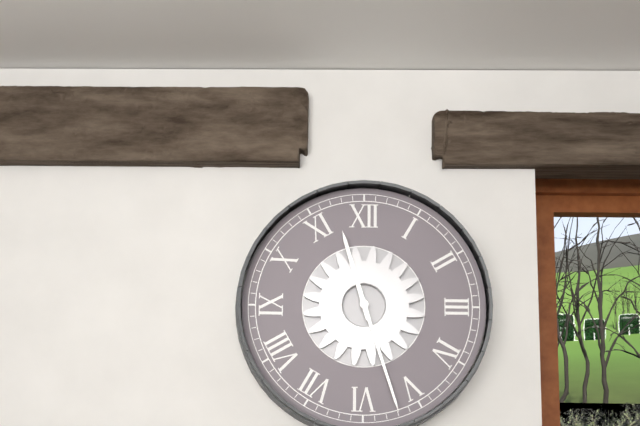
{"hour": 11, "minute": 27}
